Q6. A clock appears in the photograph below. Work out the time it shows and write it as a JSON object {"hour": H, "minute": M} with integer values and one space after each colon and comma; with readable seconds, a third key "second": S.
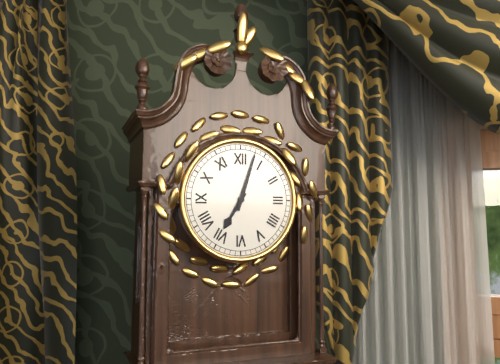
{"hour": 7, "minute": 3}
